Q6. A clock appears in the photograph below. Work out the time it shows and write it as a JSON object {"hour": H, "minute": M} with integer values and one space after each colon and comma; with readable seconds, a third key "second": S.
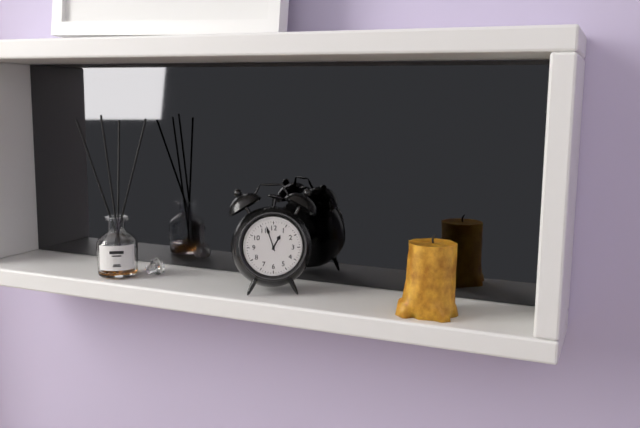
{"hour": 12, "minute": 57}
